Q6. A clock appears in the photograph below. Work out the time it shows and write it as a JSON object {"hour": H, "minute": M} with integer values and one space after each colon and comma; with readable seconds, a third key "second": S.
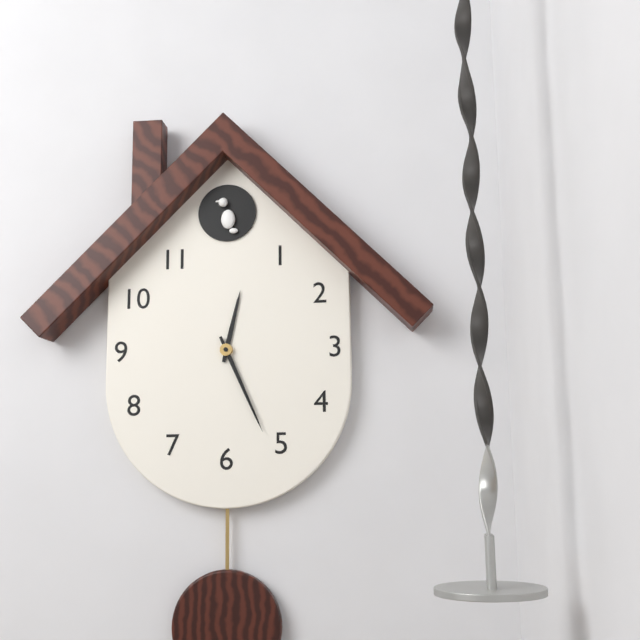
{"hour": 12, "minute": 26}
